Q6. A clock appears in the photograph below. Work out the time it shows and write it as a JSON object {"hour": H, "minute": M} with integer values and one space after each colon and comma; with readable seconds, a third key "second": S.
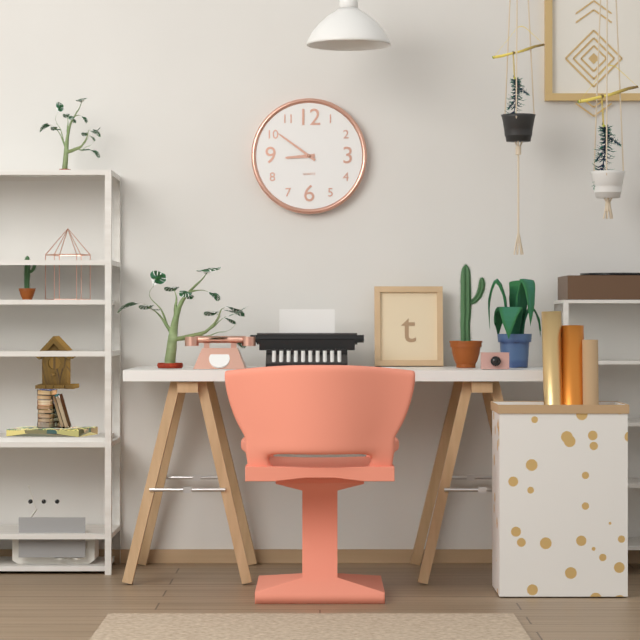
{"hour": 8, "minute": 51}
